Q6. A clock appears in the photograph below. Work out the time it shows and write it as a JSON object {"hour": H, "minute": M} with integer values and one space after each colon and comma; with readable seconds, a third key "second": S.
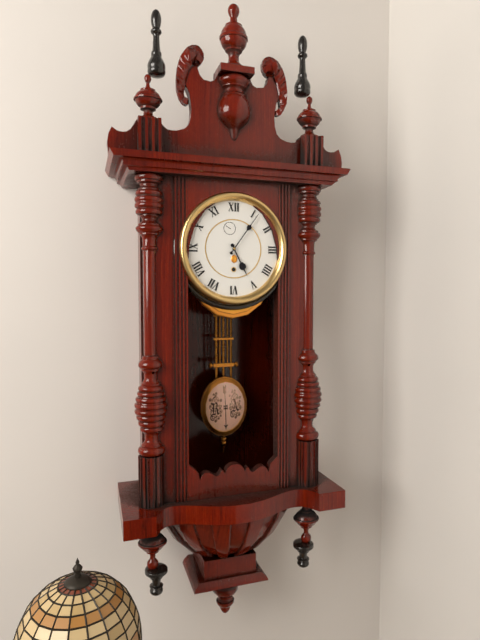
{"hour": 5, "minute": 6}
